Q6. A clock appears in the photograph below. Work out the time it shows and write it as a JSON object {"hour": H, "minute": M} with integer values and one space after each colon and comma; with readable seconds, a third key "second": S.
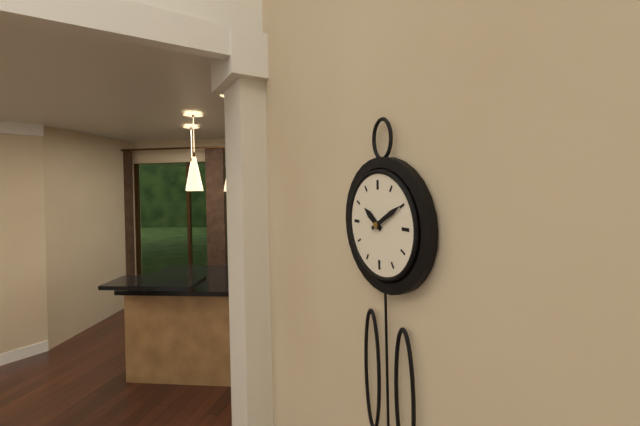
{"hour": 10, "minute": 10}
